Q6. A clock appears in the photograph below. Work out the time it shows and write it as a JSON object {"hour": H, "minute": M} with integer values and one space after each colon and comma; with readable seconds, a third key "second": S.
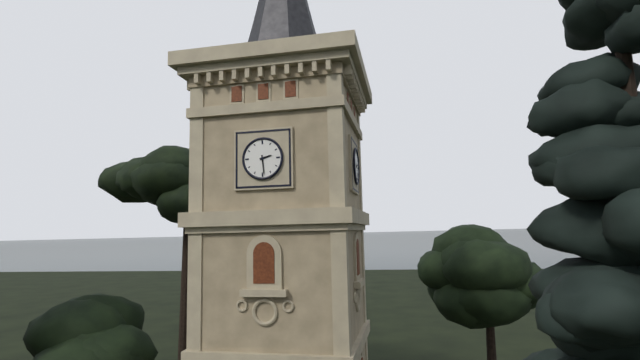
{"hour": 2, "minute": 29}
